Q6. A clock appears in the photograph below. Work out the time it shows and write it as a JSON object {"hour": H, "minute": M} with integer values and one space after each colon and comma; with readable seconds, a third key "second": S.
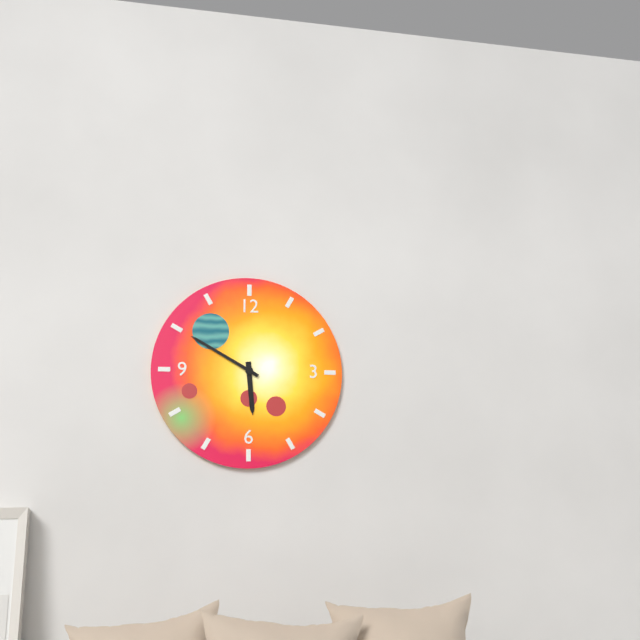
{"hour": 5, "minute": 50}
